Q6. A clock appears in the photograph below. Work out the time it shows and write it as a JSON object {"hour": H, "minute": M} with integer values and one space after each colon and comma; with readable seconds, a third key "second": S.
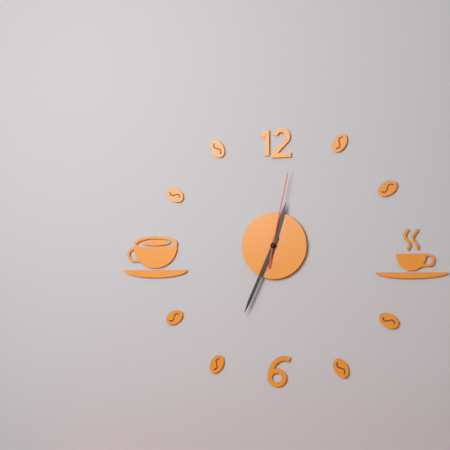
{"hour": 12, "minute": 34, "second": 2}
